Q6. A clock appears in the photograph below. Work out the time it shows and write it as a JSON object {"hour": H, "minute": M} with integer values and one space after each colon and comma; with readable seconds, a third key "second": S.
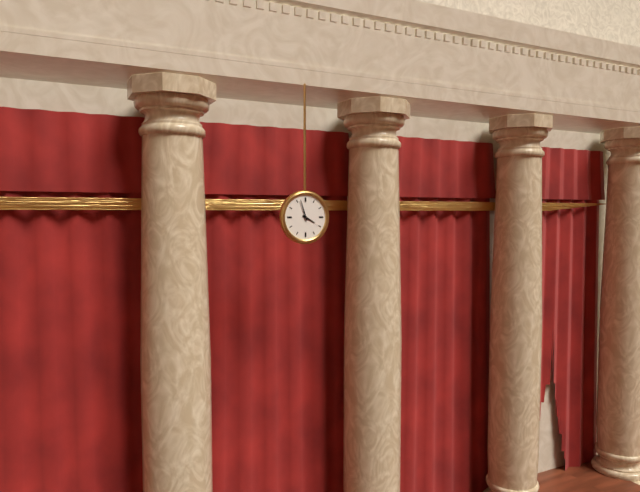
{"hour": 3, "minute": 57}
